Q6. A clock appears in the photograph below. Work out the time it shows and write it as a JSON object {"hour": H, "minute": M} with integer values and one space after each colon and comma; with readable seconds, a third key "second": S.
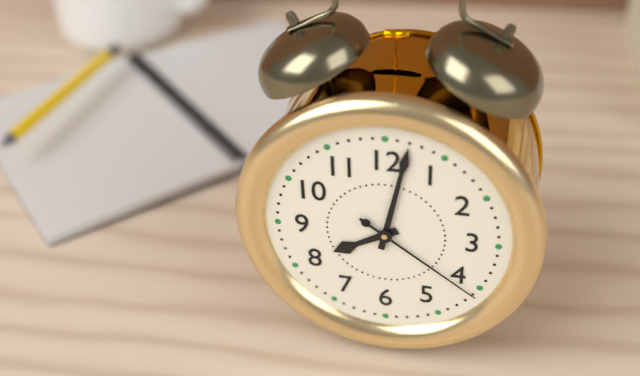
{"hour": 8, "minute": 2, "second": 21}
